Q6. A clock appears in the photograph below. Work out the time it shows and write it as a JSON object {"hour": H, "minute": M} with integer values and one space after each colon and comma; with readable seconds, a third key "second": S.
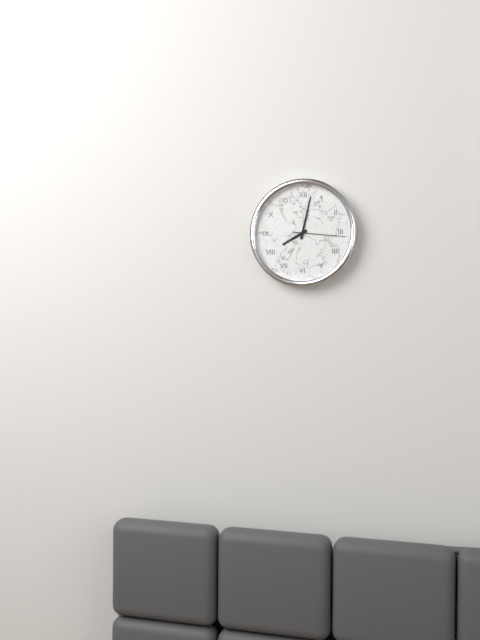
{"hour": 8, "minute": 2, "second": 16}
